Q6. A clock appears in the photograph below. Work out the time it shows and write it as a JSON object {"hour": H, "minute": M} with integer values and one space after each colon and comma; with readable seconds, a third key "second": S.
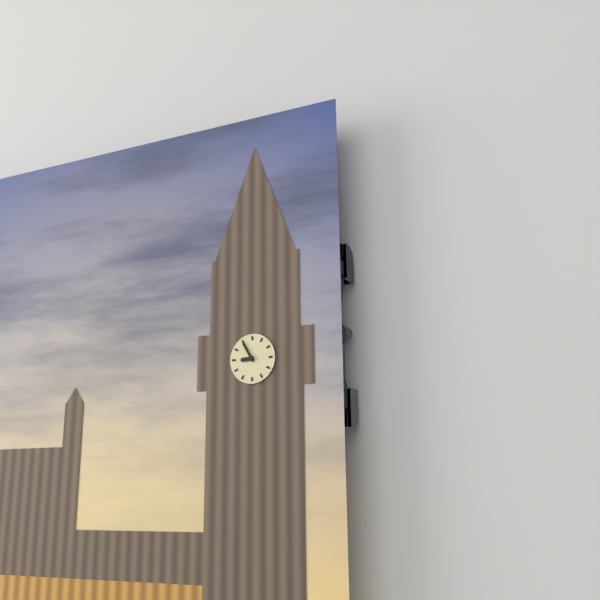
{"hour": 8, "minute": 55}
